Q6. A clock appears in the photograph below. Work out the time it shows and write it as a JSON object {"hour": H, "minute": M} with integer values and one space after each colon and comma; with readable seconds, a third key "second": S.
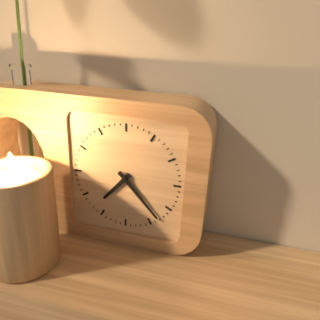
{"hour": 7, "minute": 23}
